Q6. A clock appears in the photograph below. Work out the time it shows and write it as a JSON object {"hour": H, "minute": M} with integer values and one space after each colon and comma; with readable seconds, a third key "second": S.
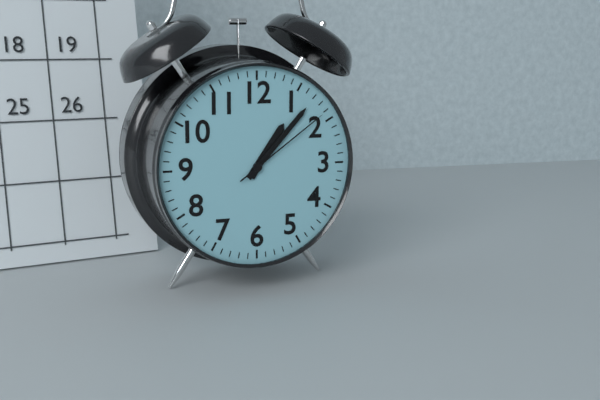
{"hour": 1, "minute": 7, "second": 9}
